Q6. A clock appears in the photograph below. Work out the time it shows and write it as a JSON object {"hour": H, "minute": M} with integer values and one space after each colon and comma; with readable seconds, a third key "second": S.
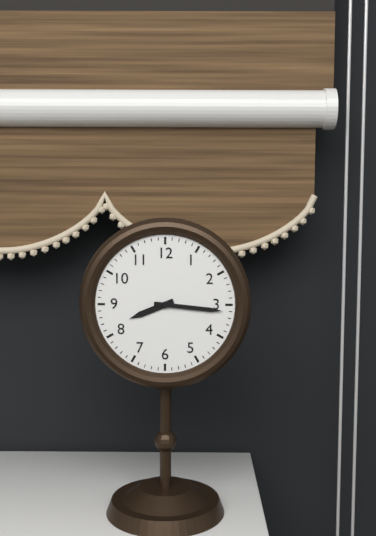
{"hour": 8, "minute": 16}
